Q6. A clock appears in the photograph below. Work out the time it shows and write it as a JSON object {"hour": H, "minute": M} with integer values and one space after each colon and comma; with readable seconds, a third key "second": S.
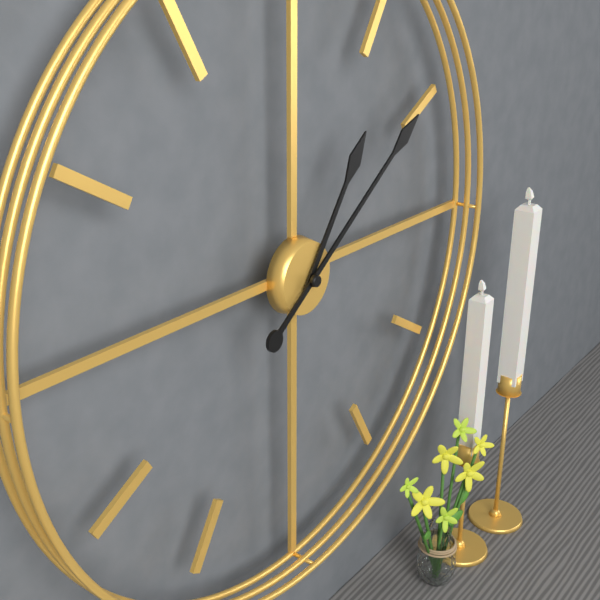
{"hour": 1, "minute": 9}
